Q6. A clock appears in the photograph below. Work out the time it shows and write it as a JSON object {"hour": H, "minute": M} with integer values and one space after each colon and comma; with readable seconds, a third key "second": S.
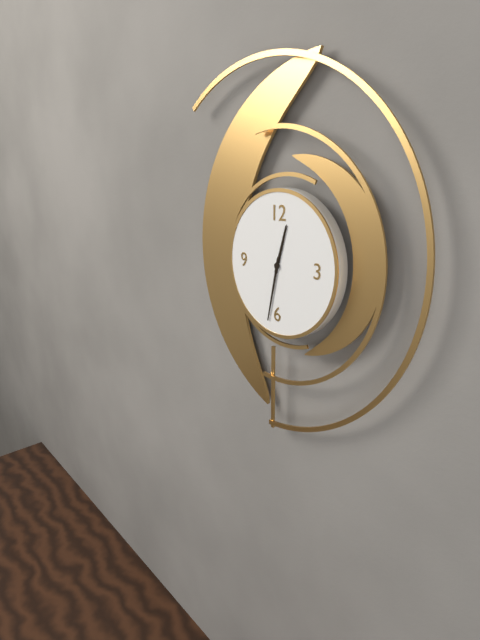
{"hour": 12, "minute": 32}
